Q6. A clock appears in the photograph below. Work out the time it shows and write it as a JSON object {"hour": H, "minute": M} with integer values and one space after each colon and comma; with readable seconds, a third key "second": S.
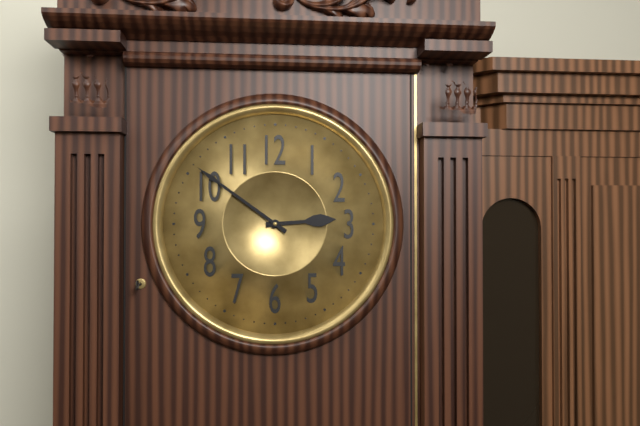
{"hour": 2, "minute": 51}
